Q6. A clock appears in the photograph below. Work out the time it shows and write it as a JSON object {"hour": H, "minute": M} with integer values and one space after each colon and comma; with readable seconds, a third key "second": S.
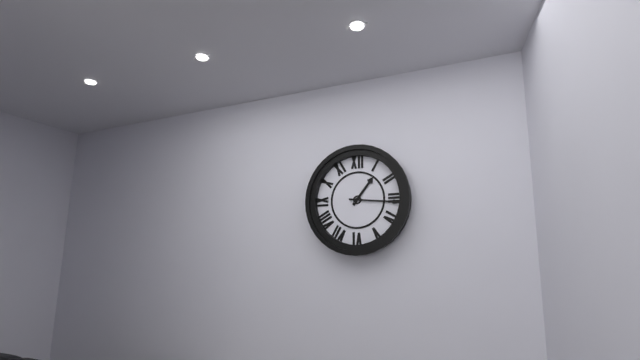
{"hour": 1, "minute": 16}
